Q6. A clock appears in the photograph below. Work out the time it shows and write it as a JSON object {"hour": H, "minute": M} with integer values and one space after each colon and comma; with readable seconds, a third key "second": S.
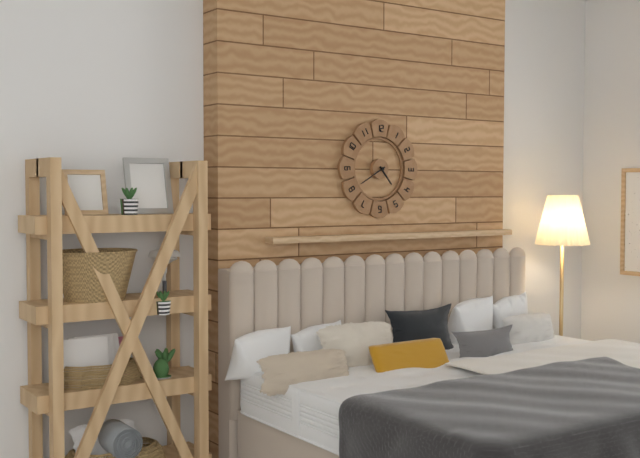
{"hour": 4, "minute": 40}
